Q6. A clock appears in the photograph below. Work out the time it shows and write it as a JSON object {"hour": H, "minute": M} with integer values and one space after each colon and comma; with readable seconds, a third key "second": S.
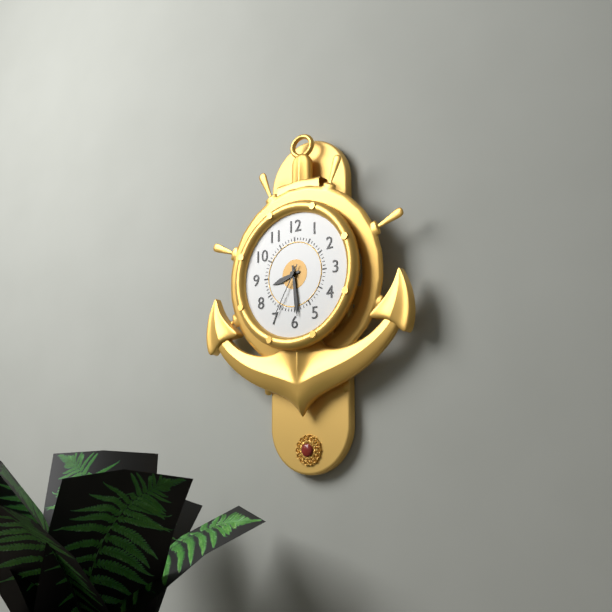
{"hour": 8, "minute": 29, "second": 35}
